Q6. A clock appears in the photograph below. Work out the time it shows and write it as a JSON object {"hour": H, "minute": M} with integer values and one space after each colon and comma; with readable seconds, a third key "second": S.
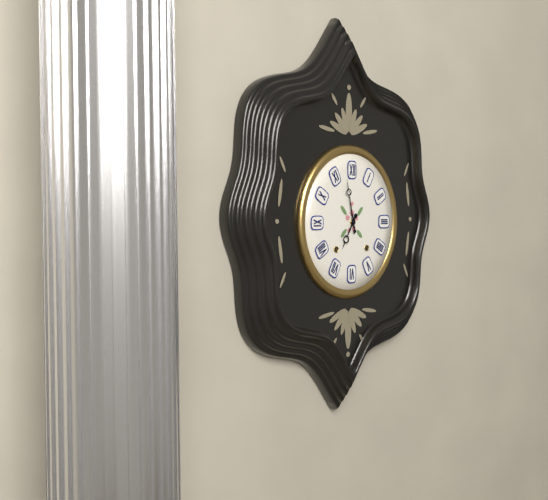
{"hour": 6, "minute": 58}
